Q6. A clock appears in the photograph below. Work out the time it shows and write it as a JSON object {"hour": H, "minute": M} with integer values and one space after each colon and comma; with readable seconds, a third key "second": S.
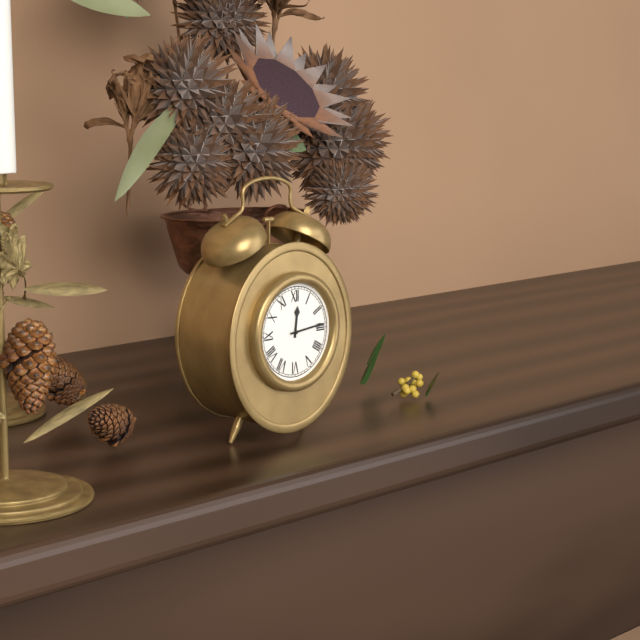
{"hour": 12, "minute": 14}
